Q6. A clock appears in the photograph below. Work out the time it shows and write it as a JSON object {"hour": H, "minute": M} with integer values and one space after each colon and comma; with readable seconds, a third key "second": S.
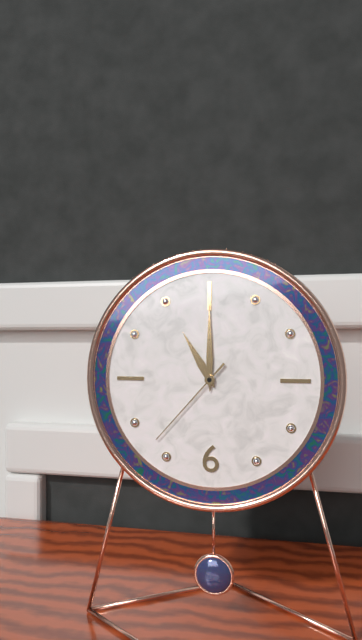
{"hour": 11, "minute": 0, "second": 37}
